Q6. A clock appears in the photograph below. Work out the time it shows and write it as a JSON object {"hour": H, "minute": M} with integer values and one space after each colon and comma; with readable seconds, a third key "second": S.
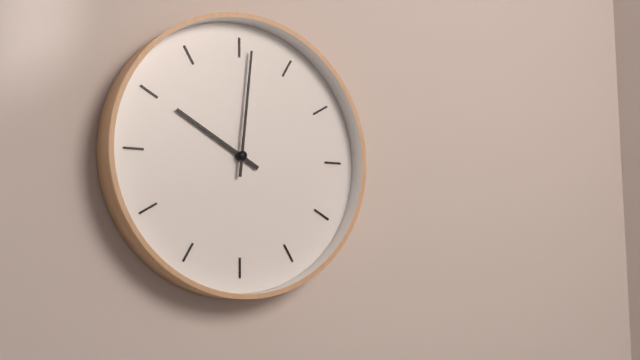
{"hour": 10, "minute": 1}
